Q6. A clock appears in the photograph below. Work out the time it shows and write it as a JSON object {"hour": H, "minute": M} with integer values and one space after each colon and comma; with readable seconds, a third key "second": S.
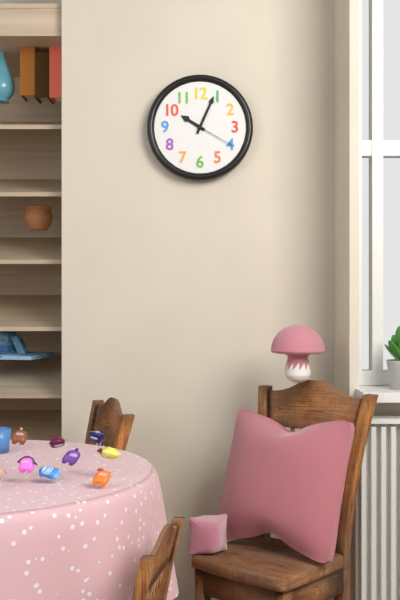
{"hour": 10, "minute": 4}
